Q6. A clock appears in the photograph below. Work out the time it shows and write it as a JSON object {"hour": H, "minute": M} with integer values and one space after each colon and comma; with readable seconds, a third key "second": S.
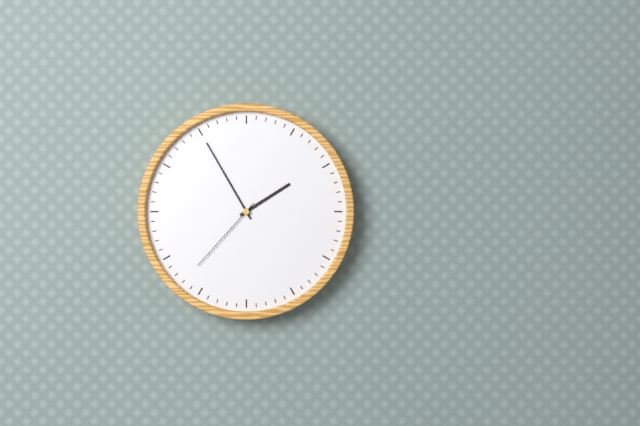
{"hour": 1, "minute": 55, "second": 37}
